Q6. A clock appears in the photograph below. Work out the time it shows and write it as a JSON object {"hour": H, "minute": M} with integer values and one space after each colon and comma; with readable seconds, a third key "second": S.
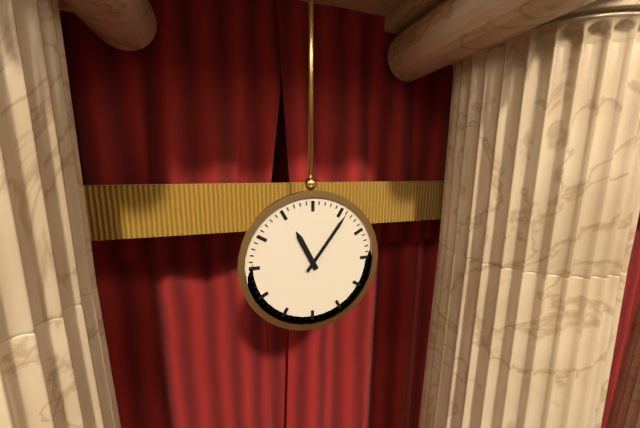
{"hour": 11, "minute": 6}
